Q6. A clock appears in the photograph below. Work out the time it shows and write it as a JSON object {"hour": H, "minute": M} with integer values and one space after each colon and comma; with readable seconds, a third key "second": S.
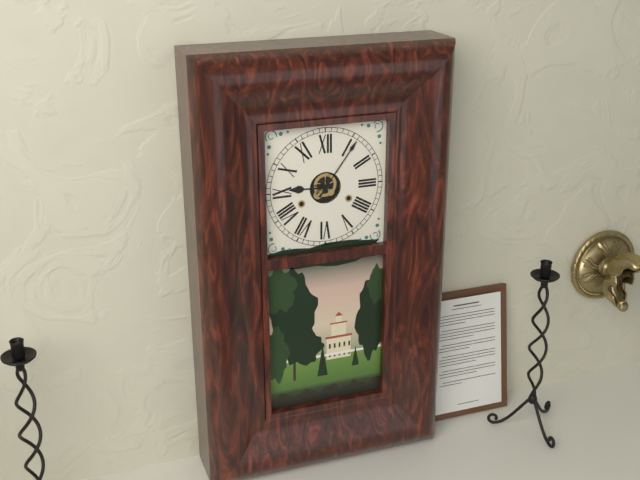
{"hour": 9, "minute": 6}
